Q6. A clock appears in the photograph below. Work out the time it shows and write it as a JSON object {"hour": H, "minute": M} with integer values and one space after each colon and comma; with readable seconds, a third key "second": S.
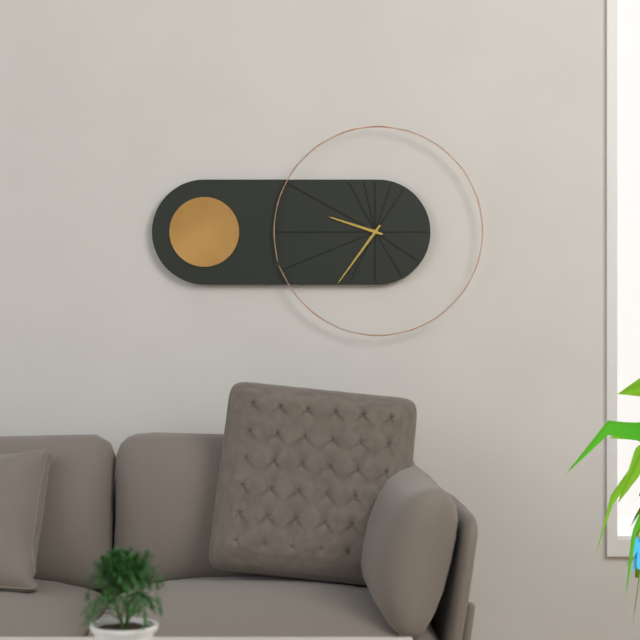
{"hour": 9, "minute": 36}
